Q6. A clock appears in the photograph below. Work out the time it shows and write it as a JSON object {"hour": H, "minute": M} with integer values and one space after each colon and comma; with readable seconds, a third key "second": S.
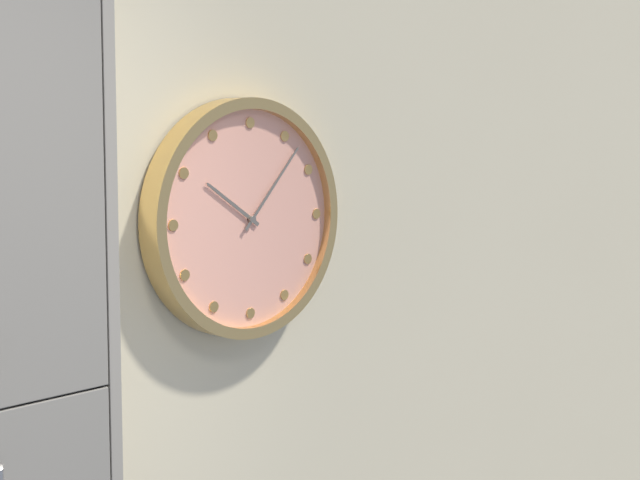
{"hour": 10, "minute": 7}
